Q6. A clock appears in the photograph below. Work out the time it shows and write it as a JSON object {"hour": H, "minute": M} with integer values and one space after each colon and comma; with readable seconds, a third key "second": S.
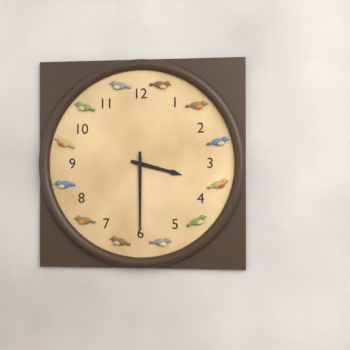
{"hour": 3, "minute": 30}
